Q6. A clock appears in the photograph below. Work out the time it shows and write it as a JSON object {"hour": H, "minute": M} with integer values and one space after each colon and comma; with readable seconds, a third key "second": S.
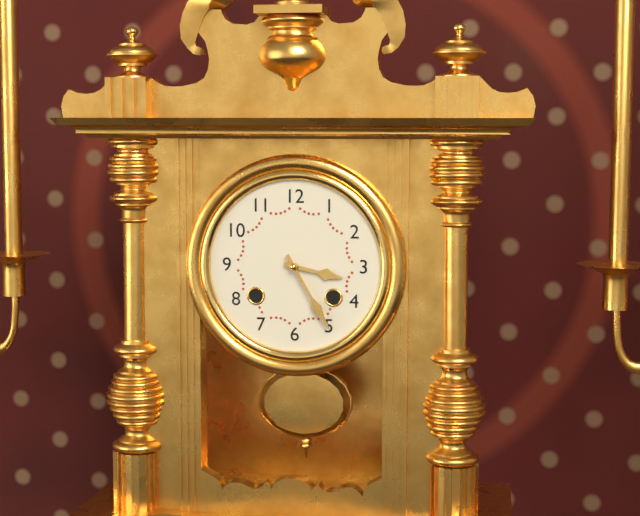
{"hour": 3, "minute": 25}
